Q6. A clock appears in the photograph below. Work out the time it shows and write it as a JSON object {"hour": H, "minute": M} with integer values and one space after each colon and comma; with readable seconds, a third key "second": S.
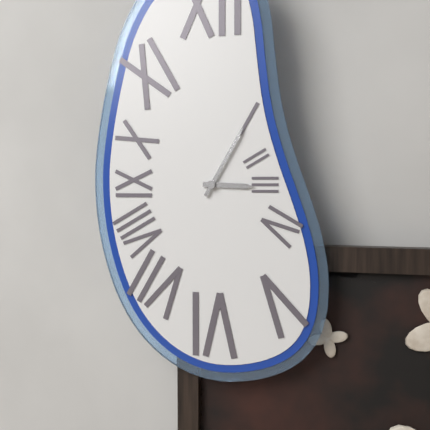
{"hour": 3, "minute": 5}
